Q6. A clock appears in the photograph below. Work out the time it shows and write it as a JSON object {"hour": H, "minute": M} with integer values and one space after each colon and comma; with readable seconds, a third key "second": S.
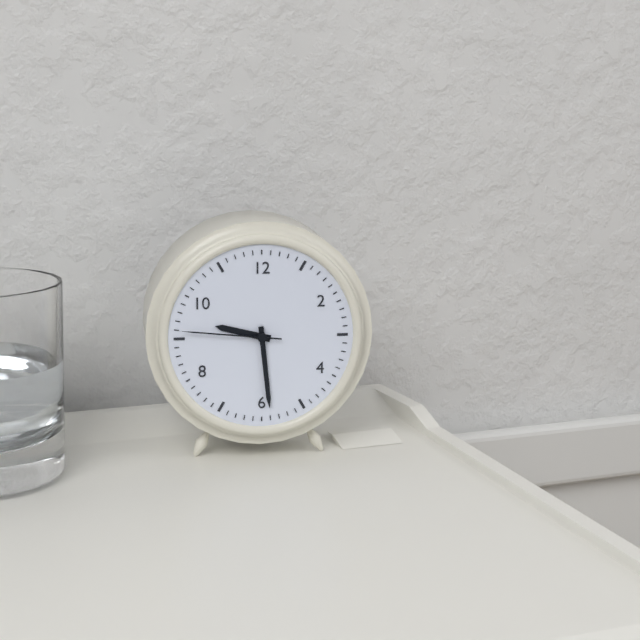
{"hour": 9, "minute": 29, "second": 46}
